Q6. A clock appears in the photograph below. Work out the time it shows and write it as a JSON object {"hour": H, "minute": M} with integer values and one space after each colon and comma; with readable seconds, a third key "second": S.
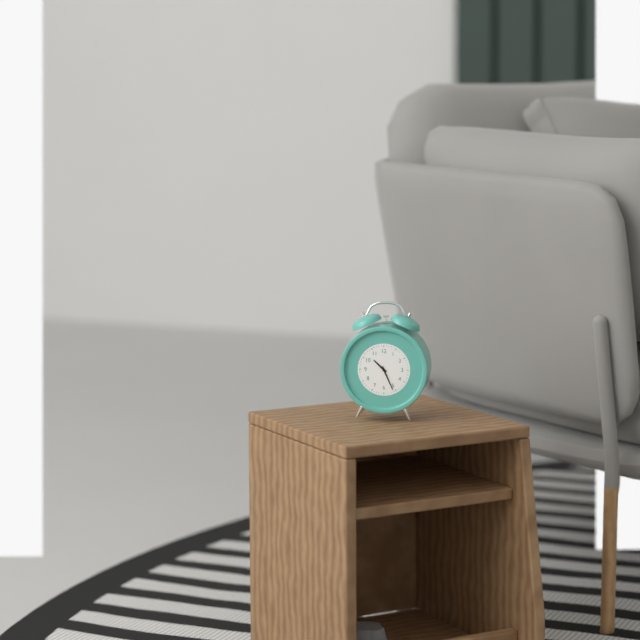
{"hour": 10, "minute": 26}
